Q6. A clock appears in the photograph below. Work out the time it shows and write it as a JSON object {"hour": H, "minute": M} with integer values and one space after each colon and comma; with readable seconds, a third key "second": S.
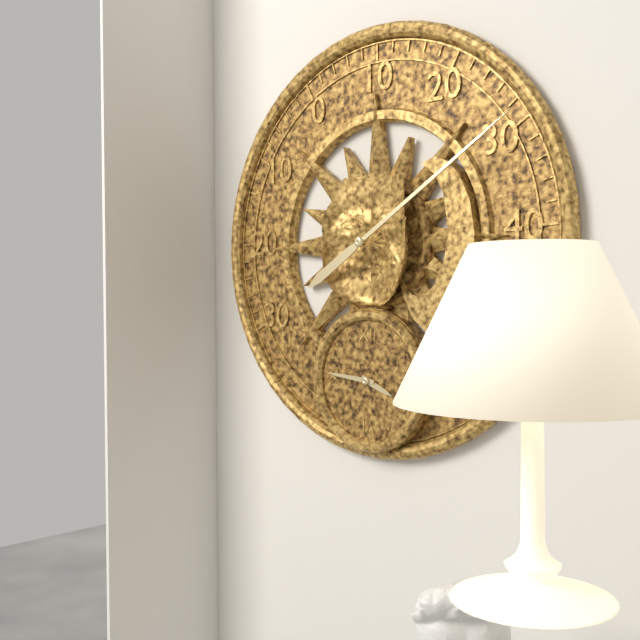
{"hour": 3, "minute": 46}
